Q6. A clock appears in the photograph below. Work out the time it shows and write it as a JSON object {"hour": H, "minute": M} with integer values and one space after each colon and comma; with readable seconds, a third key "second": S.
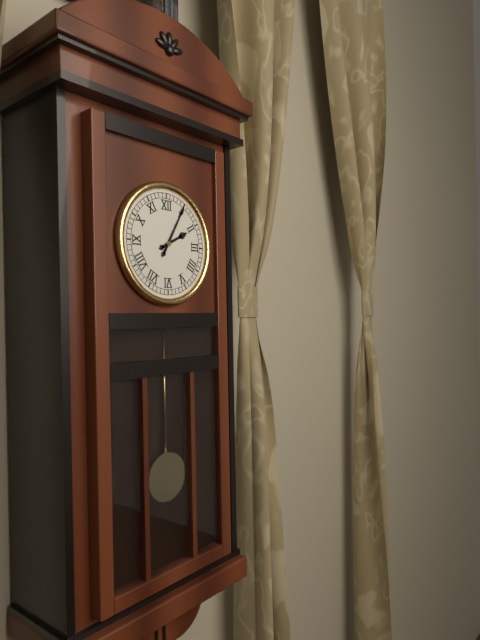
{"hour": 2, "minute": 5}
